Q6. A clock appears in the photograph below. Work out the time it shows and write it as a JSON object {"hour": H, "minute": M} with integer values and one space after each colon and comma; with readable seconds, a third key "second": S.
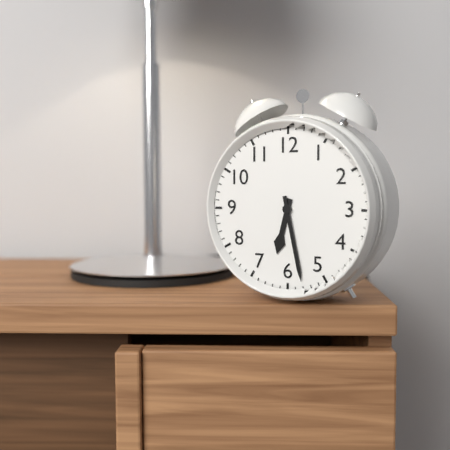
{"hour": 6, "minute": 28}
